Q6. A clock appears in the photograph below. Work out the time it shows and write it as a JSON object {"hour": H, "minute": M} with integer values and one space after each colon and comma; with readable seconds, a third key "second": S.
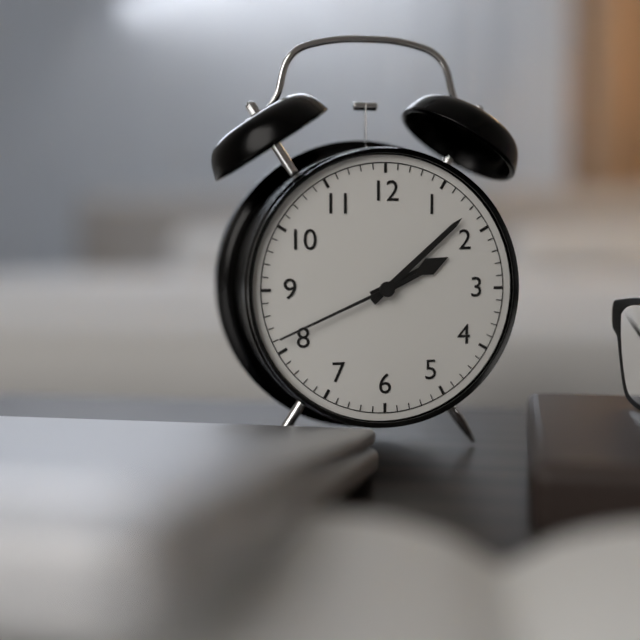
{"hour": 2, "minute": 8, "second": 41}
